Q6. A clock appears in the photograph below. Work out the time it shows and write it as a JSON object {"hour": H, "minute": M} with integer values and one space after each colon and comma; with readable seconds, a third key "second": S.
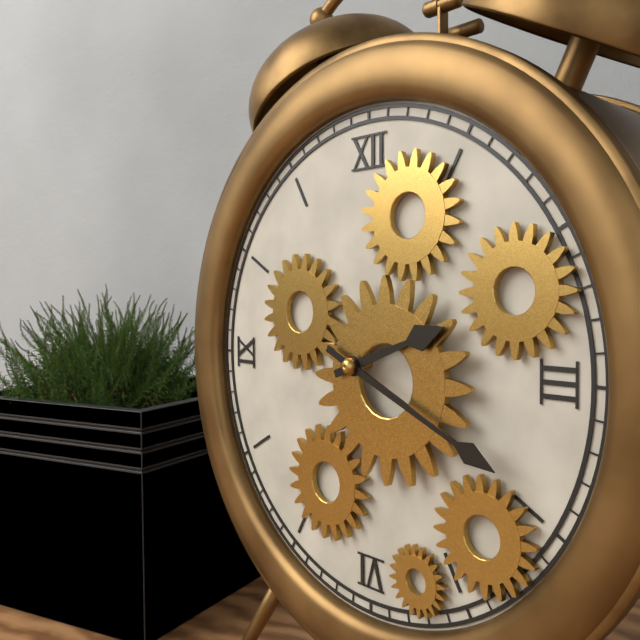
{"hour": 2, "minute": 19}
